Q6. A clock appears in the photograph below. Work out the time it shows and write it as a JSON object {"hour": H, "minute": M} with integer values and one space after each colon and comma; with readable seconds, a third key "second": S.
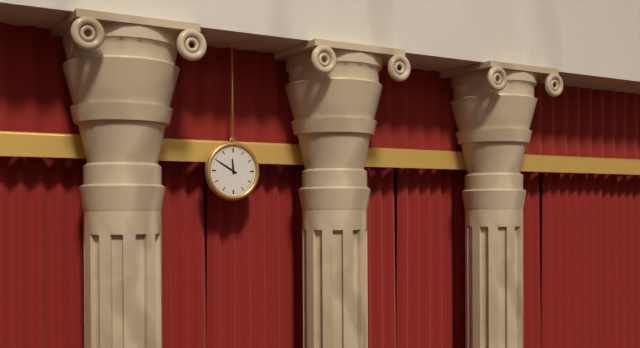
{"hour": 11, "minute": 50}
